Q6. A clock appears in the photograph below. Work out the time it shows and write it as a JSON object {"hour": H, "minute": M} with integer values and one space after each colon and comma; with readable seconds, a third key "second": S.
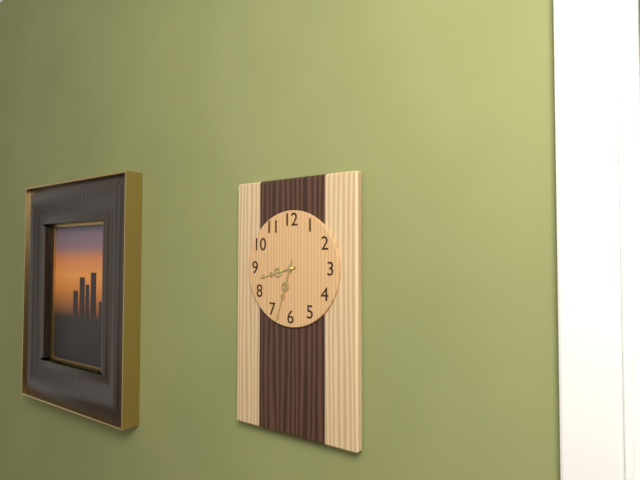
{"hour": 8, "minute": 33}
